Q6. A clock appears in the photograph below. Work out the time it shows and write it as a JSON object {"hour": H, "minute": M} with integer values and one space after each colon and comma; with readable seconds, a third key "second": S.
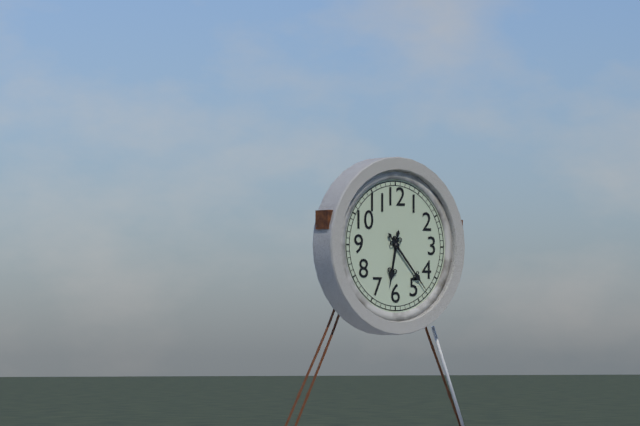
{"hour": 6, "minute": 23}
